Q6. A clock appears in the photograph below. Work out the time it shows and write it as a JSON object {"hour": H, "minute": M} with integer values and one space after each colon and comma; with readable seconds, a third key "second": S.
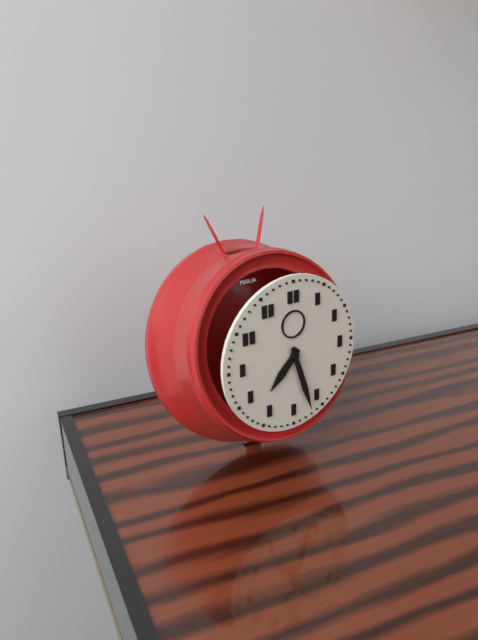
{"hour": 7, "minute": 27}
